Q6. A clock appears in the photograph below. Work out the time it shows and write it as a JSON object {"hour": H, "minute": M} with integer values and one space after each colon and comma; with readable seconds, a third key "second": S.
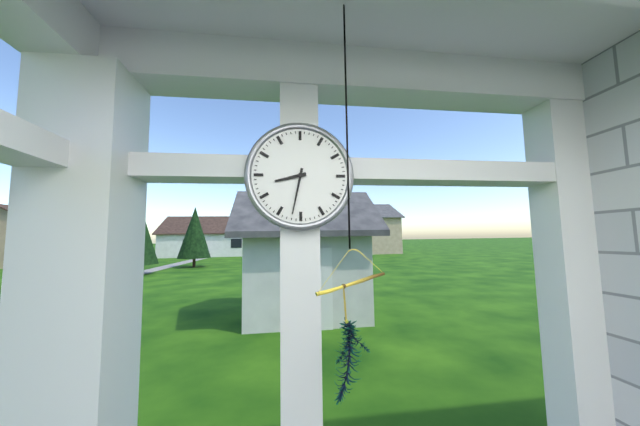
{"hour": 8, "minute": 32}
